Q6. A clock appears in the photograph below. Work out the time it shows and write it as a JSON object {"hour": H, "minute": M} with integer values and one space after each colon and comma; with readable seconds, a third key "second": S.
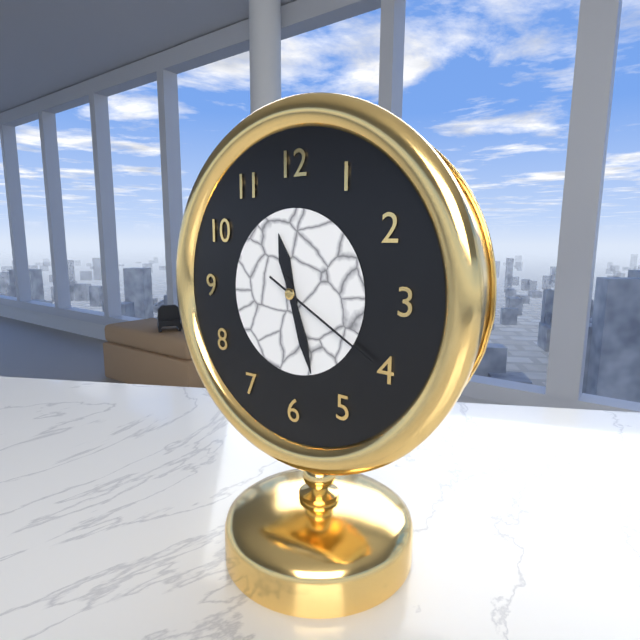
{"hour": 11, "minute": 27, "second": 20}
